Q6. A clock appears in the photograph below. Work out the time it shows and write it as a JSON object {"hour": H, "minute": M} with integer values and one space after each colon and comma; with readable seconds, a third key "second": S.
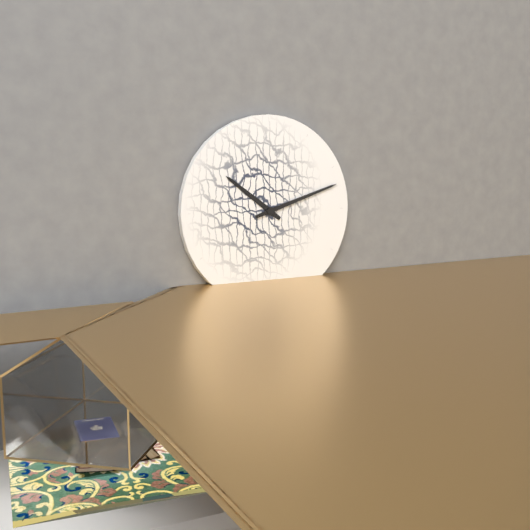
{"hour": 10, "minute": 12}
